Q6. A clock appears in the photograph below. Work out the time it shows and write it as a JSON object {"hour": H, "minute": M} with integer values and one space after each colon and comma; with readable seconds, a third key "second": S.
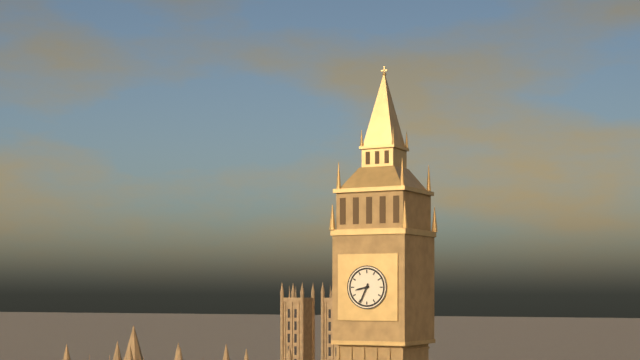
{"hour": 8, "minute": 34}
